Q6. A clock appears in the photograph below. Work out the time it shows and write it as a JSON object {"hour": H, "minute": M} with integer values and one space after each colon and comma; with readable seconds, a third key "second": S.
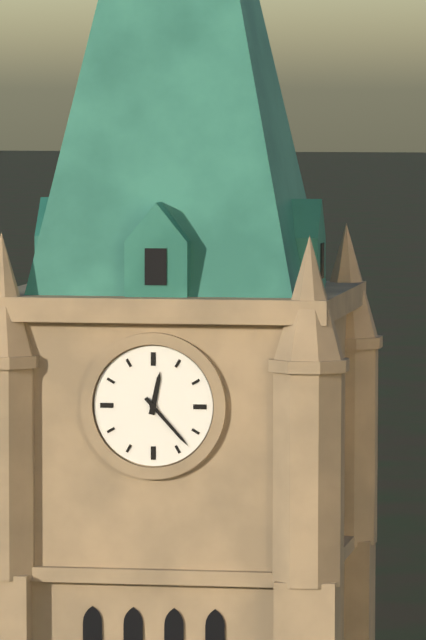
{"hour": 12, "minute": 23}
